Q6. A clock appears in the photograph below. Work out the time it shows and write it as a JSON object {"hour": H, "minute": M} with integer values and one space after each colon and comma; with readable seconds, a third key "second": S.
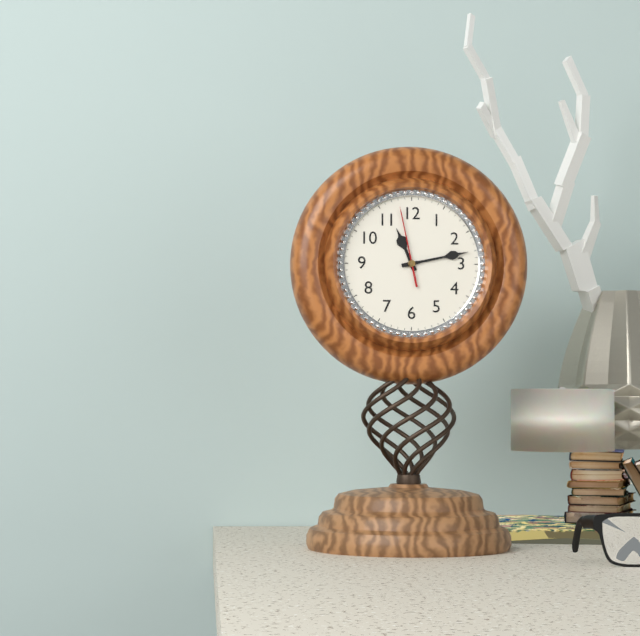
{"hour": 11, "minute": 13, "second": 58}
